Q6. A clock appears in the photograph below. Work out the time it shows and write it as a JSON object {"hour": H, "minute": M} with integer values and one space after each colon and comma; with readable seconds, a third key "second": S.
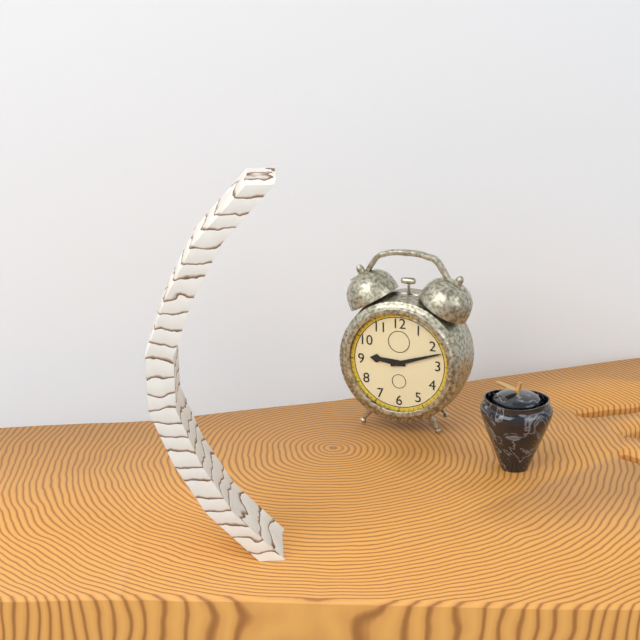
{"hour": 9, "minute": 12}
